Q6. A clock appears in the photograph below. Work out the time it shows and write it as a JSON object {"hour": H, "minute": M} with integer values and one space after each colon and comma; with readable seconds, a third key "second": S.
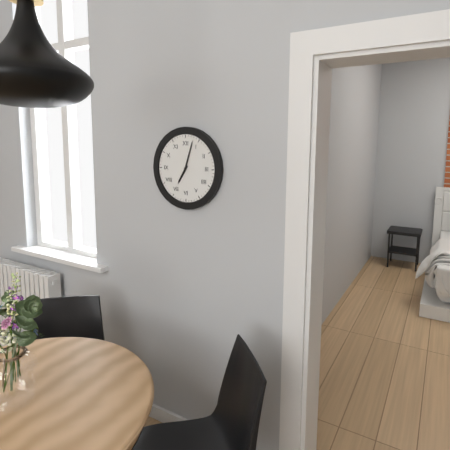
{"hour": 7, "minute": 3}
